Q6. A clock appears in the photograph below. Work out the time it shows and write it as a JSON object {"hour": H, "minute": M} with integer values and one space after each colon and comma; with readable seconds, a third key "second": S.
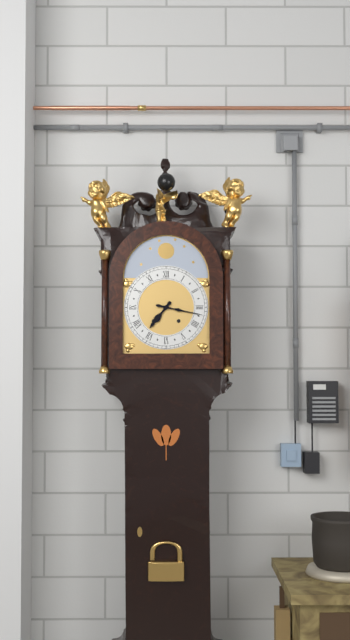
{"hour": 7, "minute": 17}
